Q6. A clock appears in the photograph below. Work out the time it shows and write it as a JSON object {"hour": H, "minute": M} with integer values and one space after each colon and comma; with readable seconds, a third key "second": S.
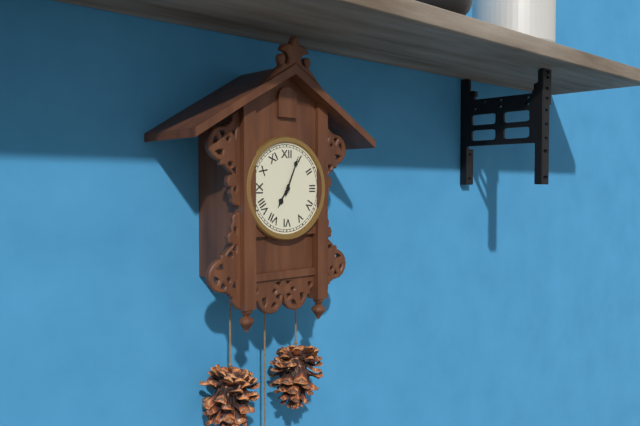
{"hour": 7, "minute": 4}
